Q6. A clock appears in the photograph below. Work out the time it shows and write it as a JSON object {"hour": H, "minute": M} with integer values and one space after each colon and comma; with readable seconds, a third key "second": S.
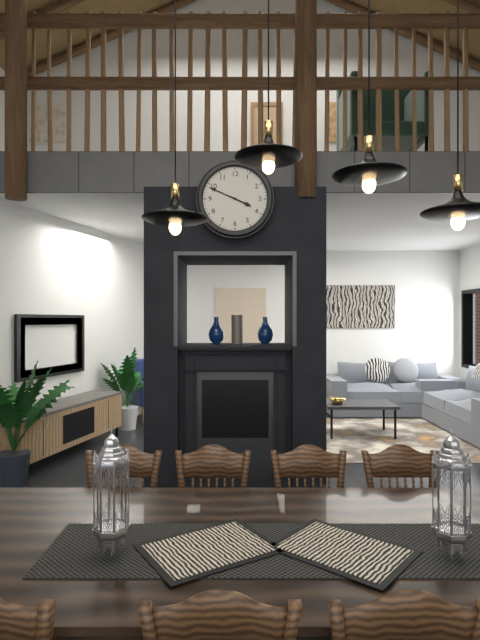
{"hour": 3, "minute": 49}
